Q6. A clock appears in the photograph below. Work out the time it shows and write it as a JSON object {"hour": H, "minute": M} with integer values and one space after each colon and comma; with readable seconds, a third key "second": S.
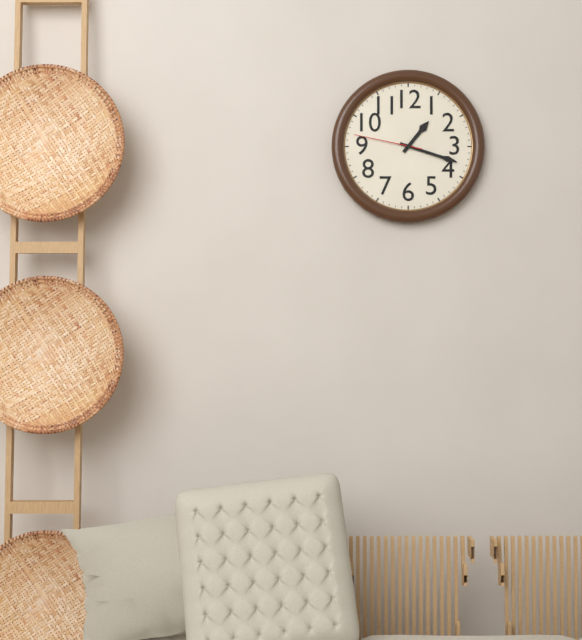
{"hour": 1, "minute": 18, "second": 47}
